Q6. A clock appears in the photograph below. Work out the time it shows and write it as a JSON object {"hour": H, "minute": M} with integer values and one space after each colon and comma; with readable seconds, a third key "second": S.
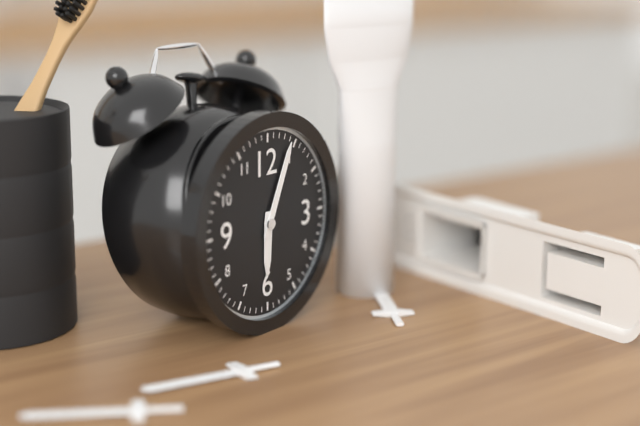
{"hour": 6, "minute": 4}
